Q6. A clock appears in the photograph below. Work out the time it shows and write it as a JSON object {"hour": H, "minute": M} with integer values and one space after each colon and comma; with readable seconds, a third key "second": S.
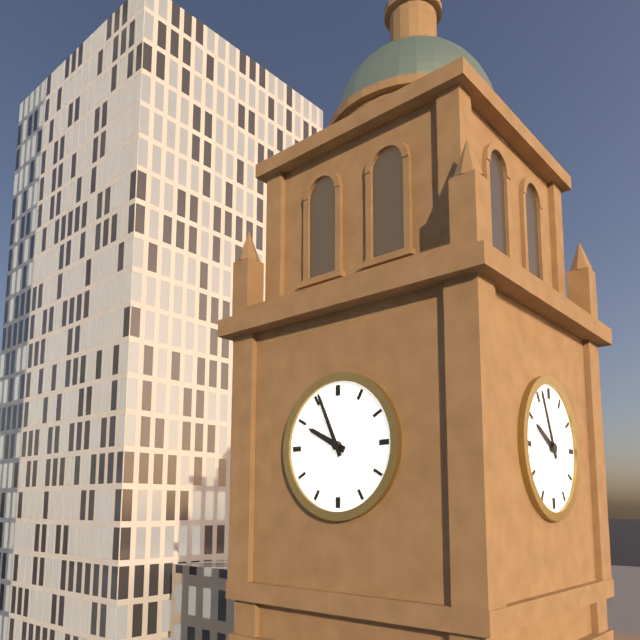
{"hour": 9, "minute": 56}
